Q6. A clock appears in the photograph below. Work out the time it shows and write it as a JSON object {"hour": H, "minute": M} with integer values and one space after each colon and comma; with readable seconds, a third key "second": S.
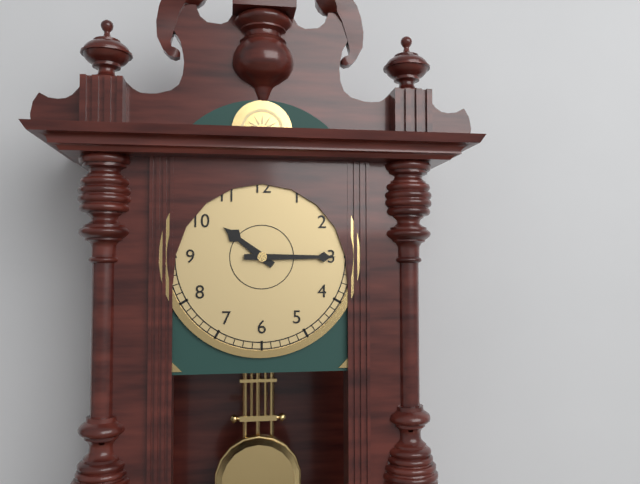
{"hour": 10, "minute": 15}
